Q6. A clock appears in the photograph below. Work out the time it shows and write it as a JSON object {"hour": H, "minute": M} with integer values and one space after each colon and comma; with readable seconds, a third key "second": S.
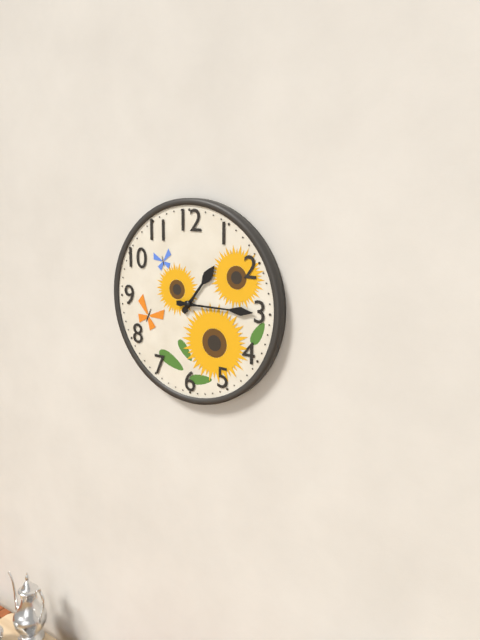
{"hour": 1, "minute": 15}
